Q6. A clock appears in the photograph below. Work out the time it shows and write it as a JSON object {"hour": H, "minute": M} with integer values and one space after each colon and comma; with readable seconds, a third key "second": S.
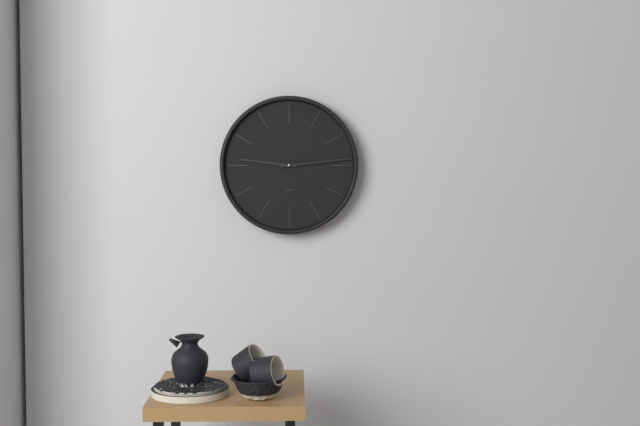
{"hour": 9, "minute": 14}
